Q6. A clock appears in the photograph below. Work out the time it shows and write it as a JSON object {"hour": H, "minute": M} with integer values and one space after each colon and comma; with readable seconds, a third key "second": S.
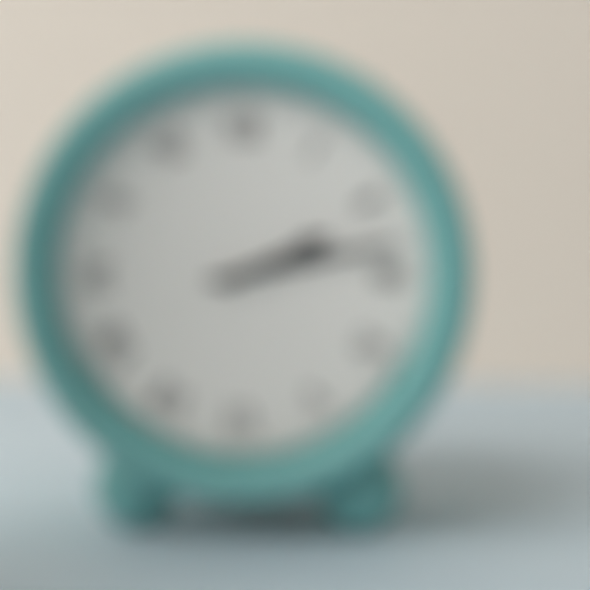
{"hour": 2, "minute": 13}
